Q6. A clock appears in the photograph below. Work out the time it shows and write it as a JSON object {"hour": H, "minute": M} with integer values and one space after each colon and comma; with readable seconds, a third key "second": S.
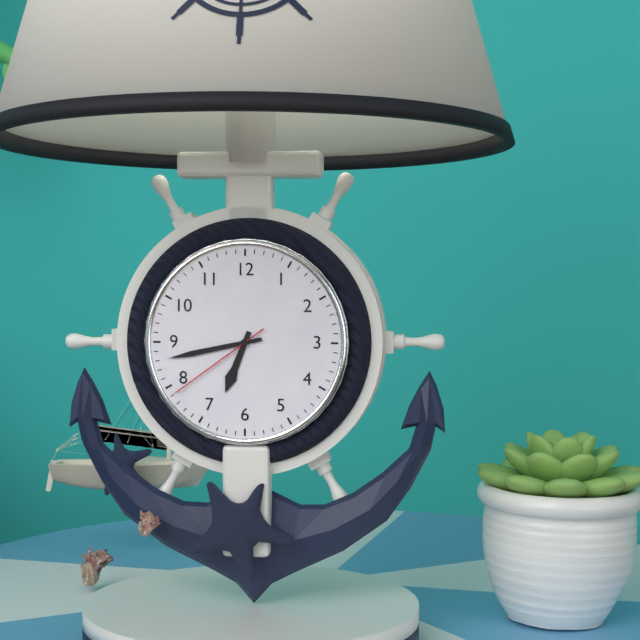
{"hour": 6, "minute": 43, "second": 39}
